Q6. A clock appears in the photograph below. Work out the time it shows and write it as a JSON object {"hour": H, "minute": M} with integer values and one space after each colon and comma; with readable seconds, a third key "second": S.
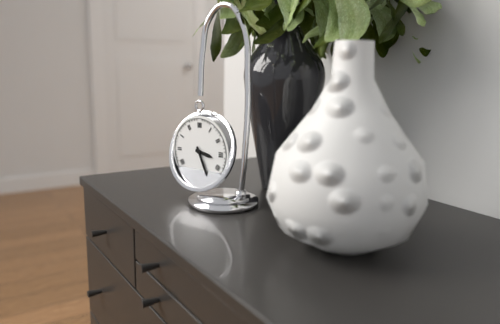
{"hour": 3, "minute": 26}
